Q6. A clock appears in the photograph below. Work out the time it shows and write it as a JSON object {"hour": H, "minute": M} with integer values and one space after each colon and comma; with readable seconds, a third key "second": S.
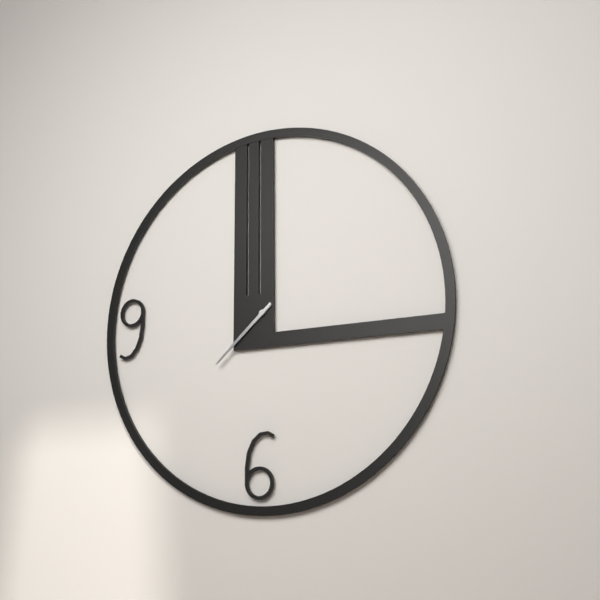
{"hour": 7, "minute": 38}
